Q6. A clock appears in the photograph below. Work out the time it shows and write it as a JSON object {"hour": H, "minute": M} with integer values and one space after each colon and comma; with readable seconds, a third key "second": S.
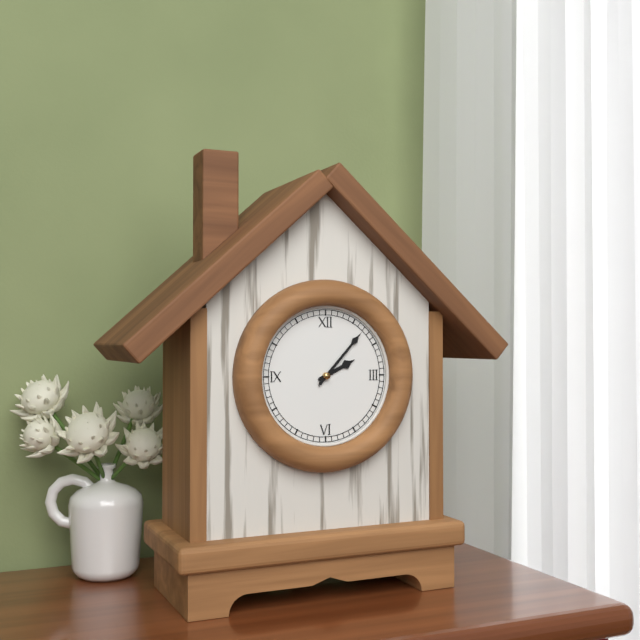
{"hour": 2, "minute": 7}
